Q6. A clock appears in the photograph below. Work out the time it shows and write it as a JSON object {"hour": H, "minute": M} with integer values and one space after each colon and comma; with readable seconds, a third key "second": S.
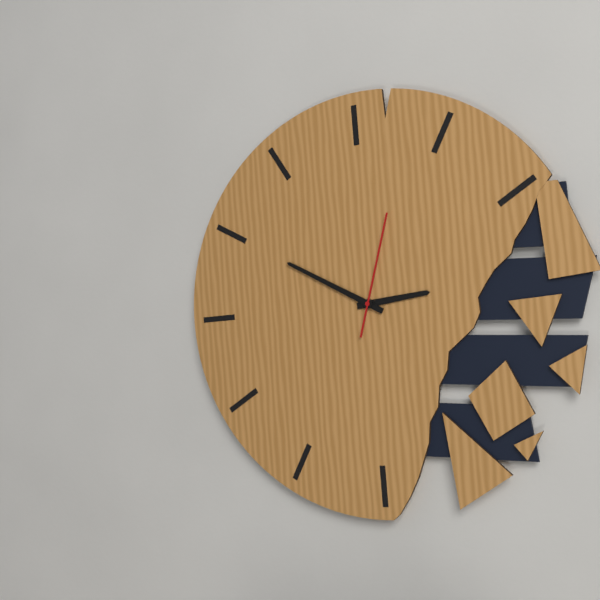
{"hour": 2, "minute": 50, "second": 3}
